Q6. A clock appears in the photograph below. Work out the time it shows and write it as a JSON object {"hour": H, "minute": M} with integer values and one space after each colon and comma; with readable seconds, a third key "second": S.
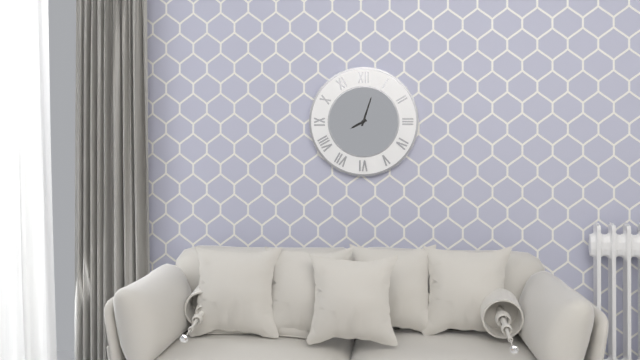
{"hour": 8, "minute": 3}
